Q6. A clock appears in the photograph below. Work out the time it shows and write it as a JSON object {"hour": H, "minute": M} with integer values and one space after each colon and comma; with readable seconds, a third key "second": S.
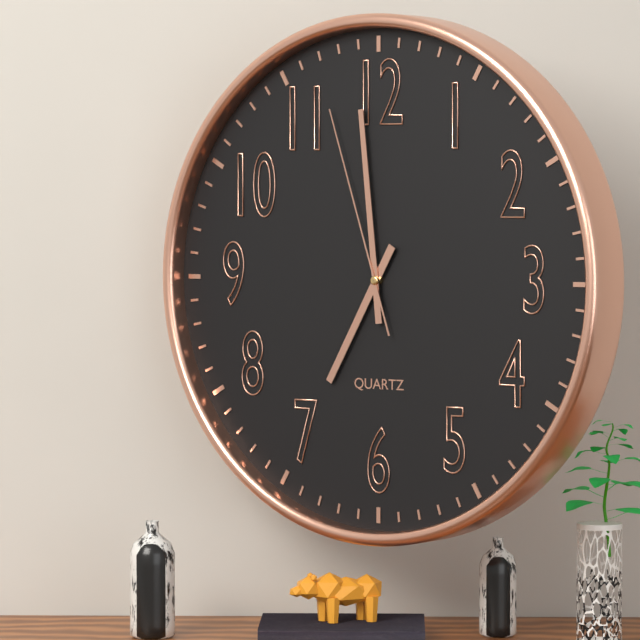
{"hour": 6, "minute": 59, "second": 57}
